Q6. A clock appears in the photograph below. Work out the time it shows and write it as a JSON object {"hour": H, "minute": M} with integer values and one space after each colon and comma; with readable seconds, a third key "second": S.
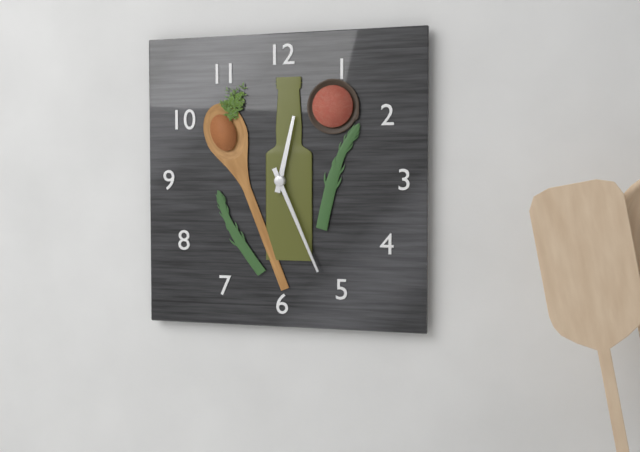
{"hour": 12, "minute": 26}
